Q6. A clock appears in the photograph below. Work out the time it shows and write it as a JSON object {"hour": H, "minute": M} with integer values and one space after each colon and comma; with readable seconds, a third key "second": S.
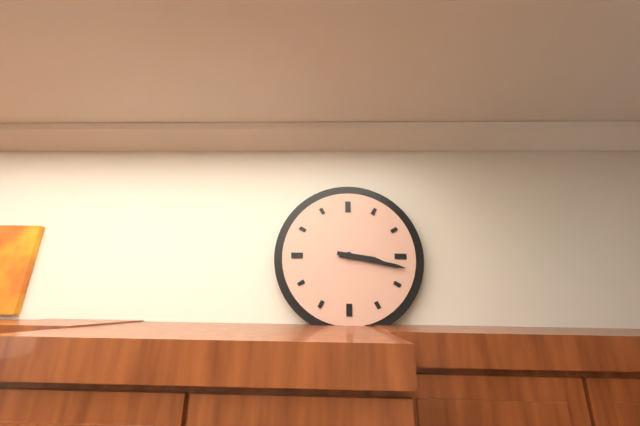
{"hour": 3, "minute": 17}
